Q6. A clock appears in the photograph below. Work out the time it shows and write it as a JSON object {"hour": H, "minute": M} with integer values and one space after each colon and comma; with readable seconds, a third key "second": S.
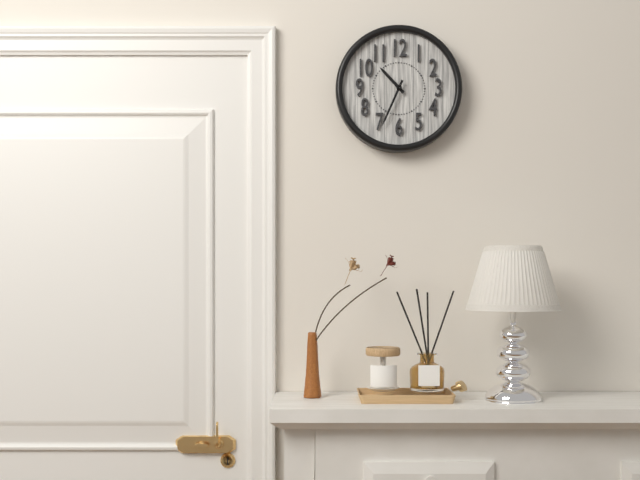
{"hour": 10, "minute": 34}
